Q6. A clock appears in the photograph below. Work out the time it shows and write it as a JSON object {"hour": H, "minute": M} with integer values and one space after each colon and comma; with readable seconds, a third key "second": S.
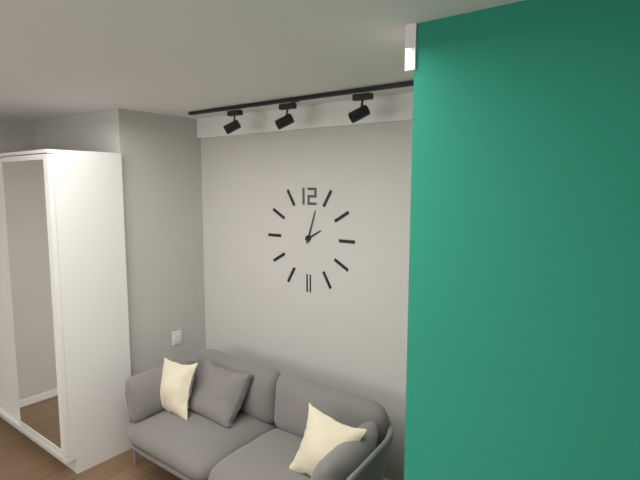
{"hour": 2, "minute": 3}
